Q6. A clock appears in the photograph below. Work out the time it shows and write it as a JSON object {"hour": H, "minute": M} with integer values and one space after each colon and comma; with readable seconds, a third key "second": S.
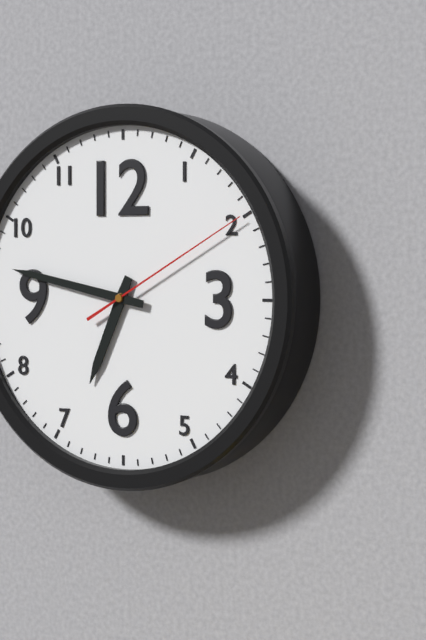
{"hour": 6, "minute": 47, "second": 10}
